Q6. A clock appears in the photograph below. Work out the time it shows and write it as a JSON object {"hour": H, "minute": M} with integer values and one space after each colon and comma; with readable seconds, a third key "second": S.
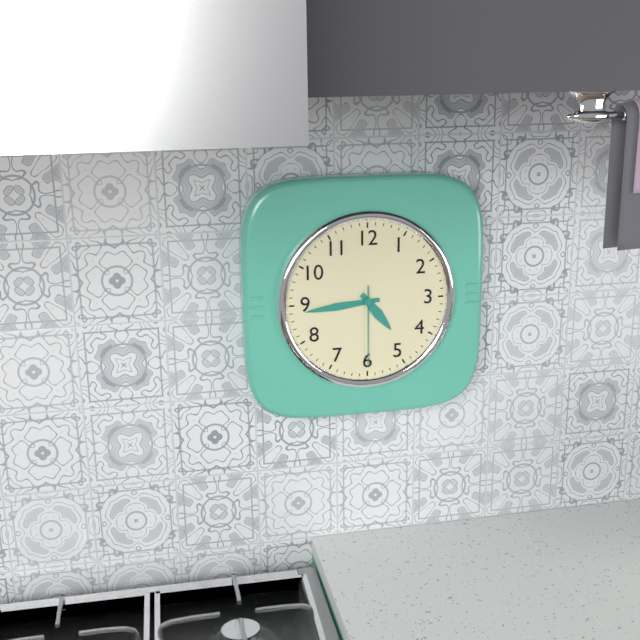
{"hour": 4, "minute": 44, "second": 30}
